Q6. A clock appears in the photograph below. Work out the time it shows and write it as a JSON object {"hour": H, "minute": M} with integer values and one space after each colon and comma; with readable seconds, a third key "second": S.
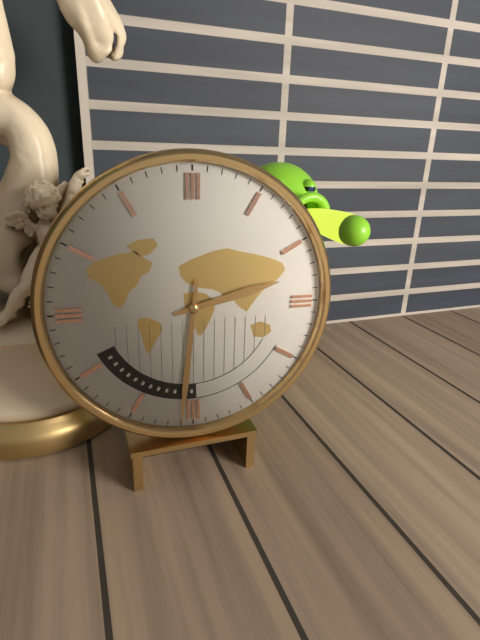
{"hour": 2, "minute": 31}
